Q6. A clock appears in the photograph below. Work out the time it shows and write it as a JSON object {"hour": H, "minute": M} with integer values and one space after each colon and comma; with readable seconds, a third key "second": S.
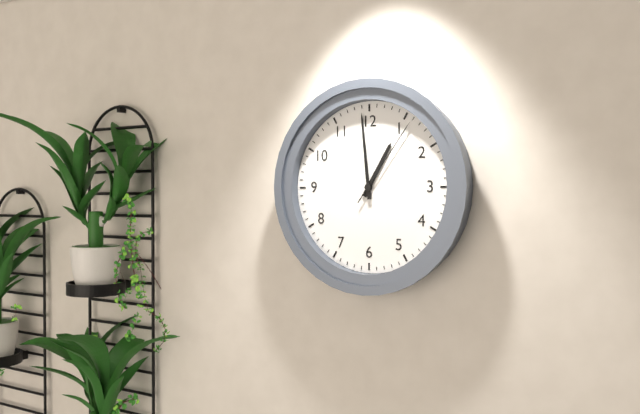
{"hour": 12, "minute": 59, "second": 6}
